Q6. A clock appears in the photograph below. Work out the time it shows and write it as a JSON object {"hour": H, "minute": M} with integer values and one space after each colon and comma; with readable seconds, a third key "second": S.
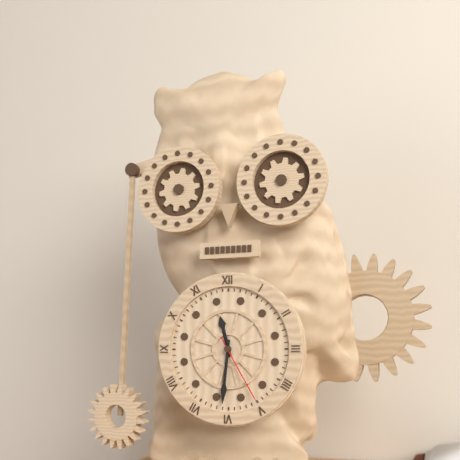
{"hour": 11, "minute": 31, "second": 25}
